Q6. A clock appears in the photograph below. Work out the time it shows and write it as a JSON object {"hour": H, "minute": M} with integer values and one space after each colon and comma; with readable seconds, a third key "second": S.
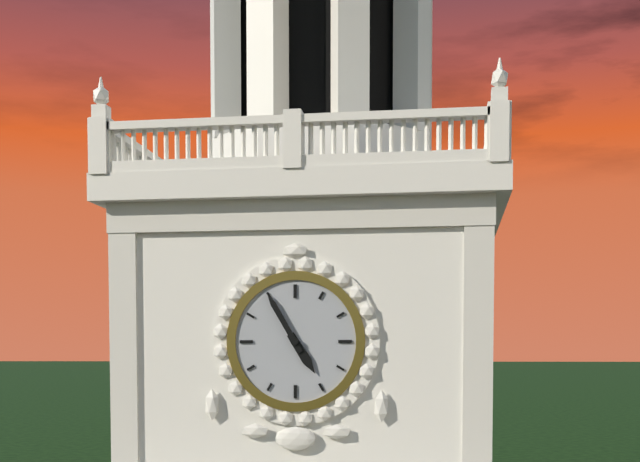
{"hour": 4, "minute": 55}
